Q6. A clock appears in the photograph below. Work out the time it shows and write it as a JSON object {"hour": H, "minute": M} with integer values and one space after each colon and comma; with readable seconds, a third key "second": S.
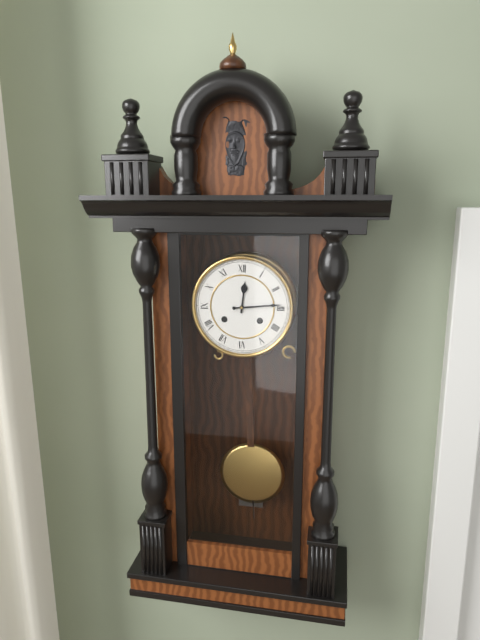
{"hour": 12, "minute": 14}
